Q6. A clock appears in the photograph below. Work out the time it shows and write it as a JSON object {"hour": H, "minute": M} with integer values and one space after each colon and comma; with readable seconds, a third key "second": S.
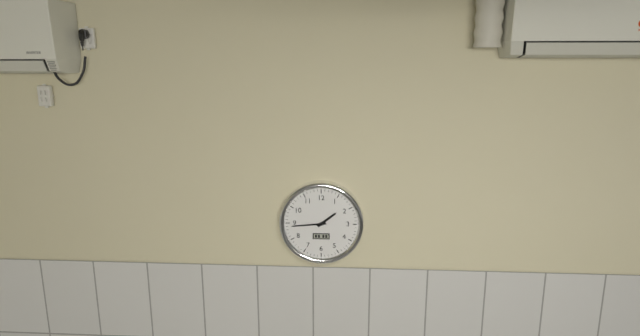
{"hour": 1, "minute": 44}
